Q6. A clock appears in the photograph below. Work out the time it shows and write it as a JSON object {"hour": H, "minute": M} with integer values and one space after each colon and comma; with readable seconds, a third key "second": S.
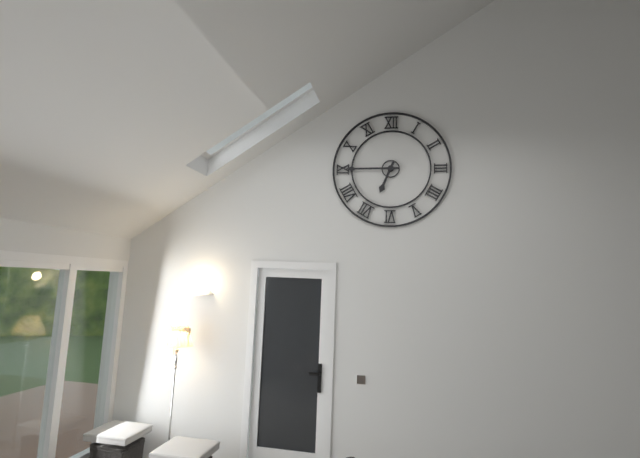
{"hour": 6, "minute": 45}
